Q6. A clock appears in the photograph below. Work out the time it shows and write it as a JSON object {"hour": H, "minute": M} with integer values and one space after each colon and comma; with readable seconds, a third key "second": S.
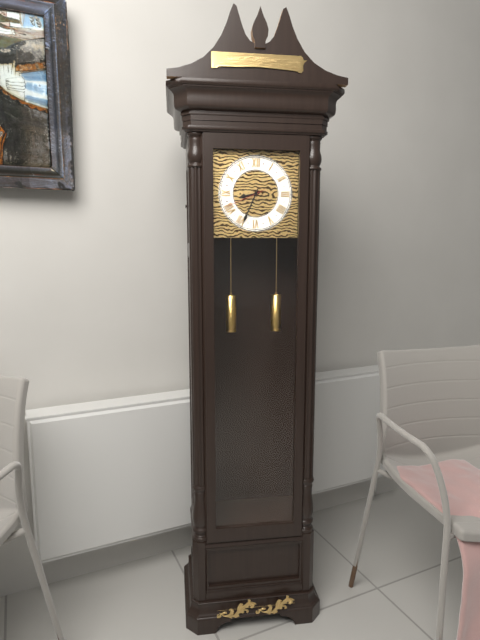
{"hour": 8, "minute": 34}
